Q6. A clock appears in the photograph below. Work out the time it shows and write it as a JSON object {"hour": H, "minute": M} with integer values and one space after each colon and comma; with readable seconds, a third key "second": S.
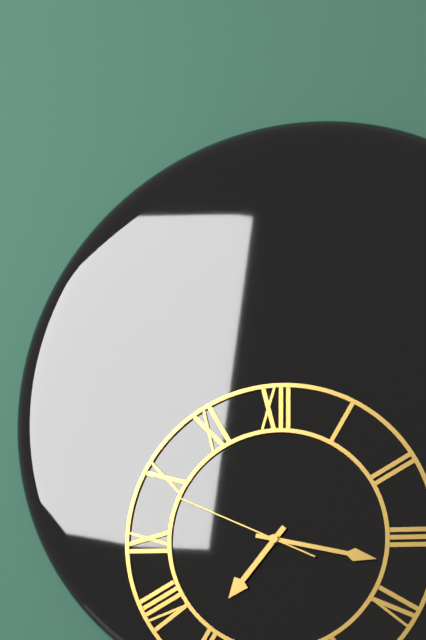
{"hour": 7, "minute": 17, "second": 49}
